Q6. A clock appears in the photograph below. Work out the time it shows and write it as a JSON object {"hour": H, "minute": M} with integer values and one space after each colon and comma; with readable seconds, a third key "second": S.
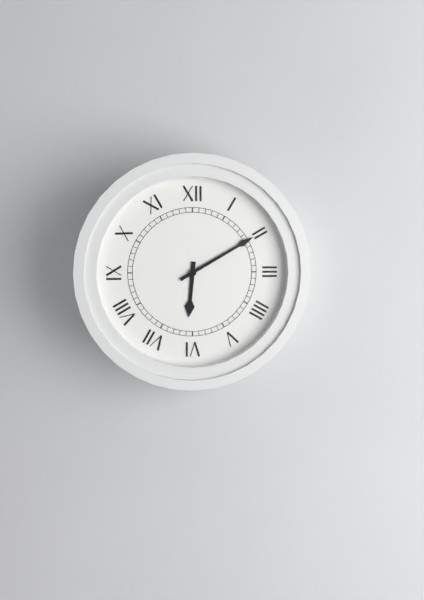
{"hour": 6, "minute": 10}
